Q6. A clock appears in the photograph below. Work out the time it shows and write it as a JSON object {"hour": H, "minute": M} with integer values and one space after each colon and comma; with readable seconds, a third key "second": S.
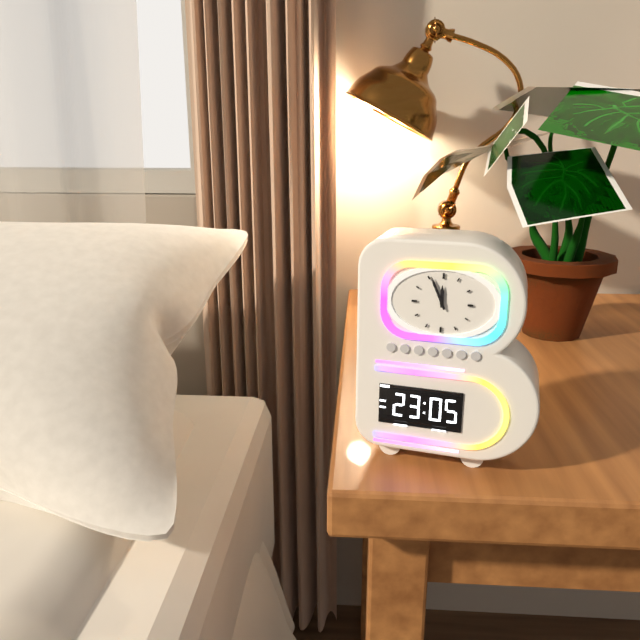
{"hour": 11, "minute": 56}
